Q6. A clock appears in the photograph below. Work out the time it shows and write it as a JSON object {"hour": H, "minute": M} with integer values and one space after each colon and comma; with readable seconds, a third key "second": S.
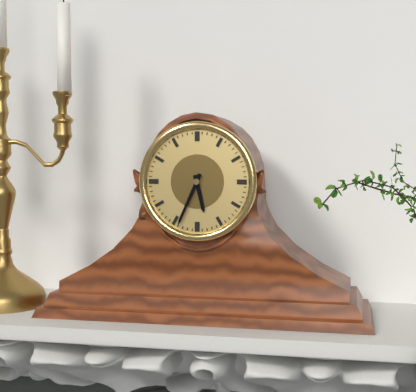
{"hour": 5, "minute": 34}
